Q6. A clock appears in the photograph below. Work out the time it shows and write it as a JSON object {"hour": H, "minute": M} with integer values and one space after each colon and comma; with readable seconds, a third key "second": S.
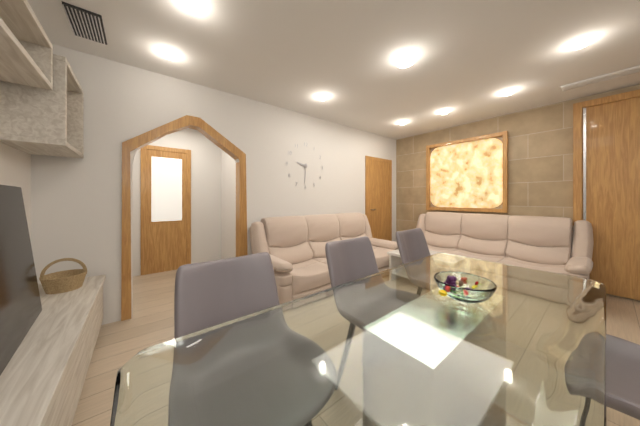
{"hour": 9, "minute": 31}
